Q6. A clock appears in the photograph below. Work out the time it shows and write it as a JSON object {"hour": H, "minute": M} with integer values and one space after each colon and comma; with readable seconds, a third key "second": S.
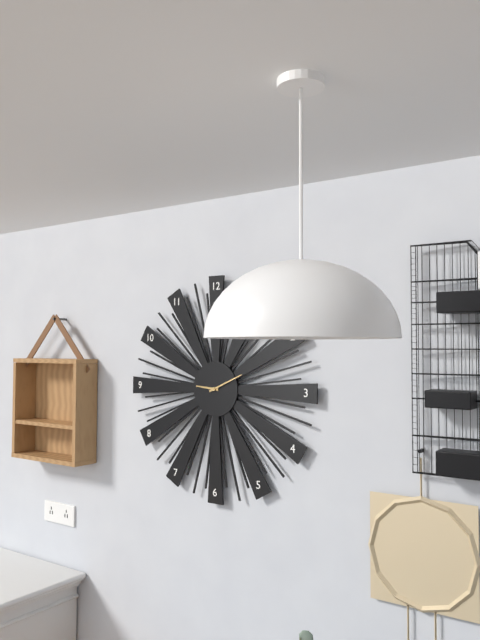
{"hour": 9, "minute": 11}
